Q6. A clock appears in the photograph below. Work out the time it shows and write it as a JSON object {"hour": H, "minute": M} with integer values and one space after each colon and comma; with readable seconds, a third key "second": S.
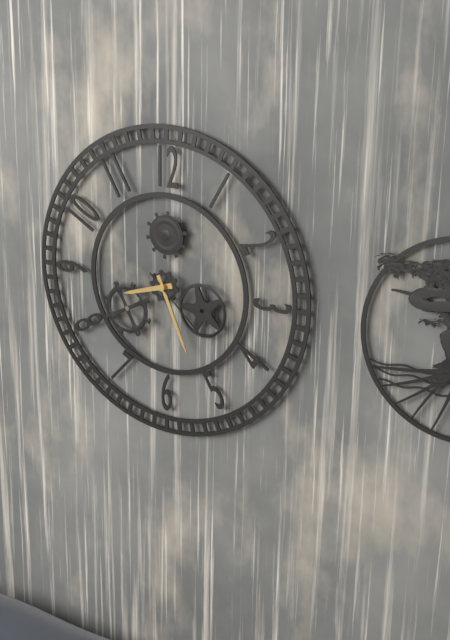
{"hour": 8, "minute": 26, "second": 22}
